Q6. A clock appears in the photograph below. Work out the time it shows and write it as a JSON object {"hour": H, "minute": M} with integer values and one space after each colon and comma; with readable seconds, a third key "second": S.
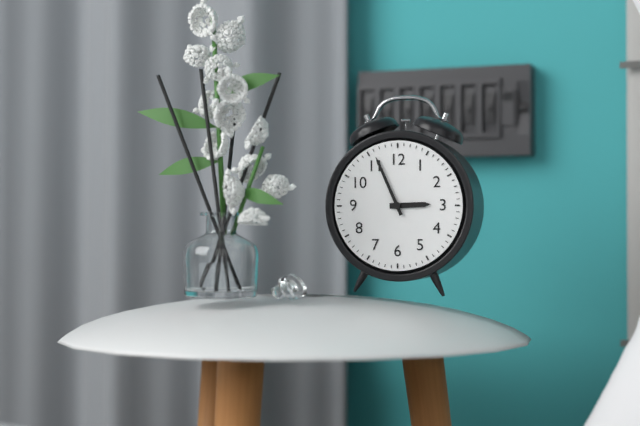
{"hour": 2, "minute": 56}
